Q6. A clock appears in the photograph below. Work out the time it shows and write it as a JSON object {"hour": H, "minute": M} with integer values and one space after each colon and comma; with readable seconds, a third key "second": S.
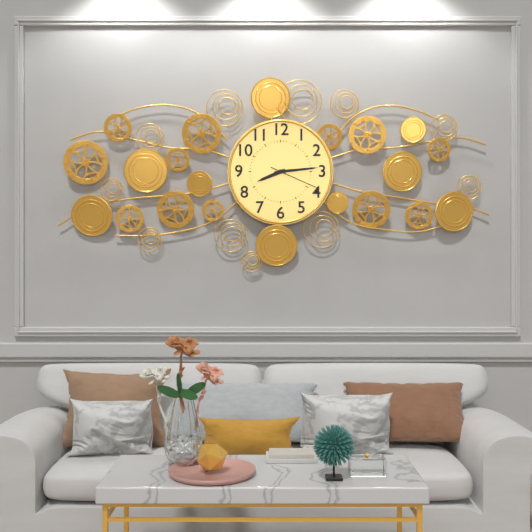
{"hour": 8, "minute": 14, "second": 19}
